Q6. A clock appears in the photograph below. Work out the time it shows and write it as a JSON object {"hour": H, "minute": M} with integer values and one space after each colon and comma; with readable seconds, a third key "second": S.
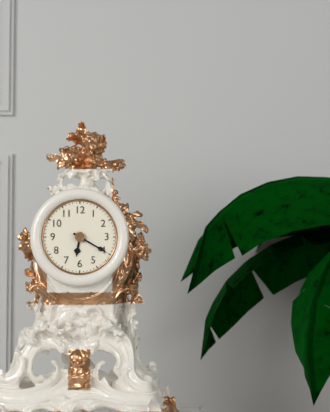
{"hour": 6, "minute": 20}
